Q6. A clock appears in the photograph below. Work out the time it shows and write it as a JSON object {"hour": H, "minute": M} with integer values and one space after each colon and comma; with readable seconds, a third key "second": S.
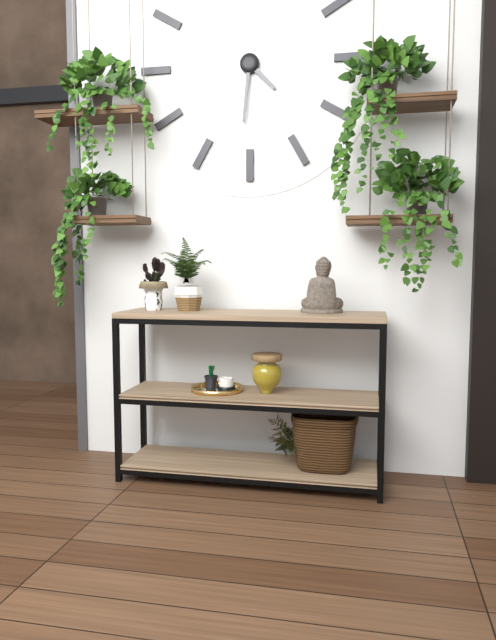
{"hour": 4, "minute": 31}
